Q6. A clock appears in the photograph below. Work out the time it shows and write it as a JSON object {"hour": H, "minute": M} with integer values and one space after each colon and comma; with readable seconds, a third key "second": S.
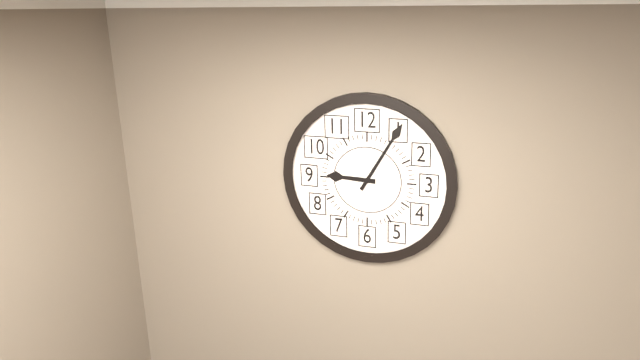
{"hour": 9, "minute": 5}
